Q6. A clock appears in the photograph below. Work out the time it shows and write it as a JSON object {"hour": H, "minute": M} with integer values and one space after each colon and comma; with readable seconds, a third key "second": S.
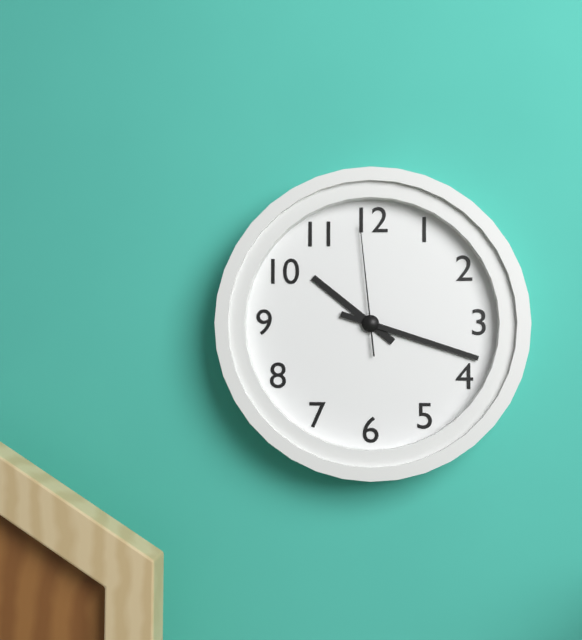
{"hour": 10, "minute": 18, "second": 59}
